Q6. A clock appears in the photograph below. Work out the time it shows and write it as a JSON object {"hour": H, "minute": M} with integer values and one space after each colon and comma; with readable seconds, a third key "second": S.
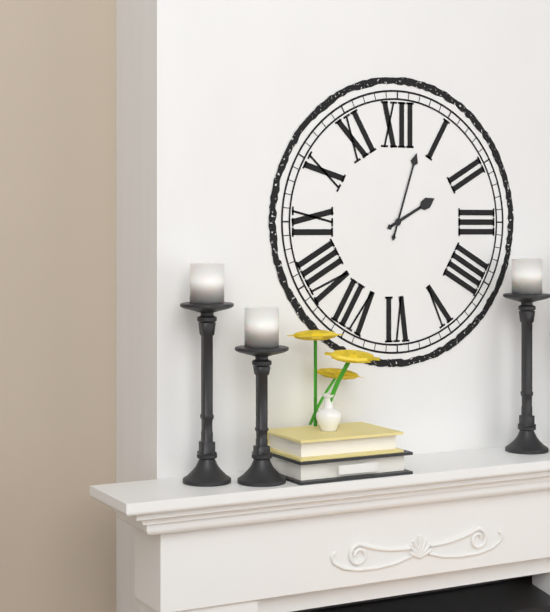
{"hour": 2, "minute": 3}
